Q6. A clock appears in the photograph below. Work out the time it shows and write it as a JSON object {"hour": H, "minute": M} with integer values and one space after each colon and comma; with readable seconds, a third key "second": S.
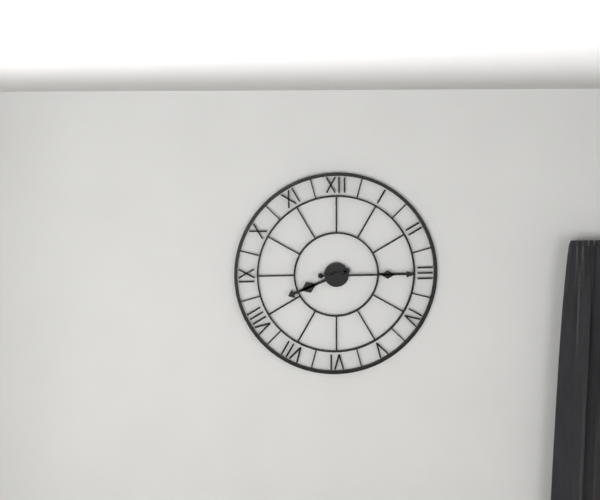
{"hour": 8, "minute": 15}
